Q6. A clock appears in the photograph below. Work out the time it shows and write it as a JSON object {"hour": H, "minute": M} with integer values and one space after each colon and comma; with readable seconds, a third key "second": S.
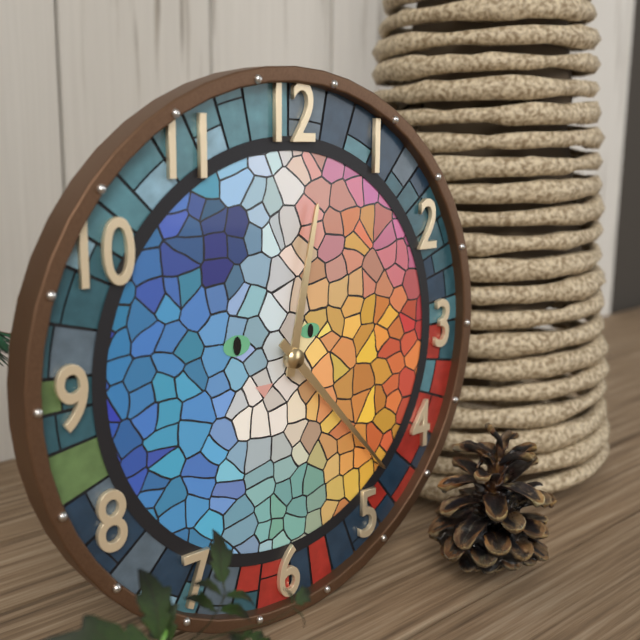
{"hour": 12, "minute": 23}
